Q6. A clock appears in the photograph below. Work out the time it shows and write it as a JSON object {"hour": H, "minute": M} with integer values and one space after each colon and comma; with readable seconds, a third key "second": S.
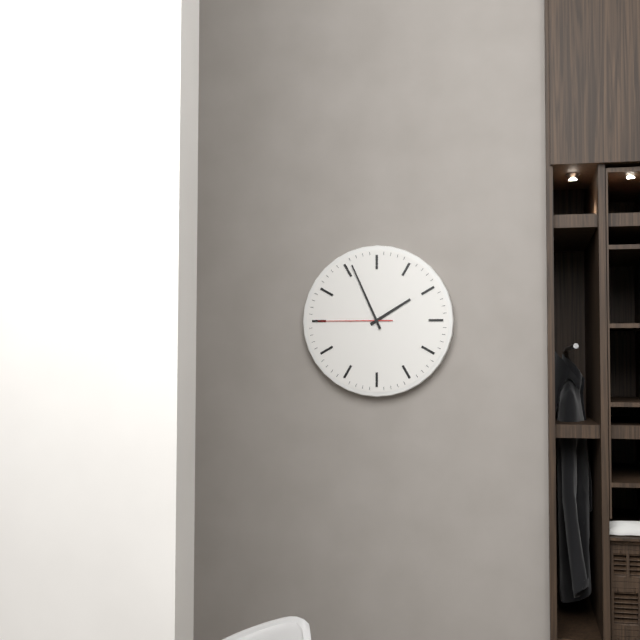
{"hour": 1, "minute": 56, "second": 45}
